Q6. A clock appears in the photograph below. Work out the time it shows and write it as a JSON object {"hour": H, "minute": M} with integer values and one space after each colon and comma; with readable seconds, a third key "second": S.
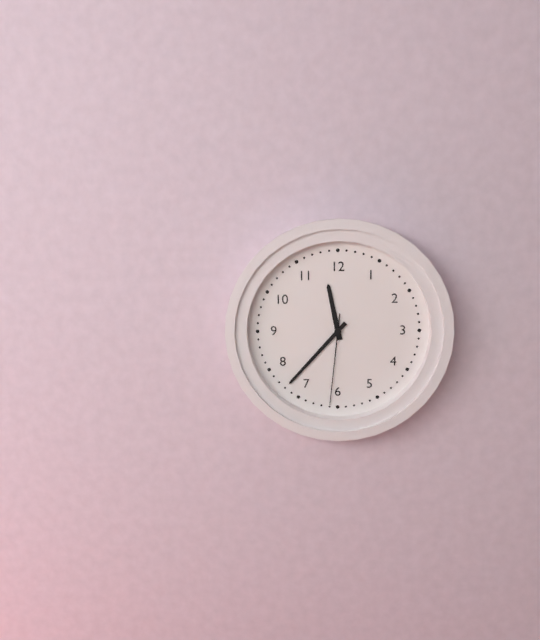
{"hour": 11, "minute": 37, "second": 31}
